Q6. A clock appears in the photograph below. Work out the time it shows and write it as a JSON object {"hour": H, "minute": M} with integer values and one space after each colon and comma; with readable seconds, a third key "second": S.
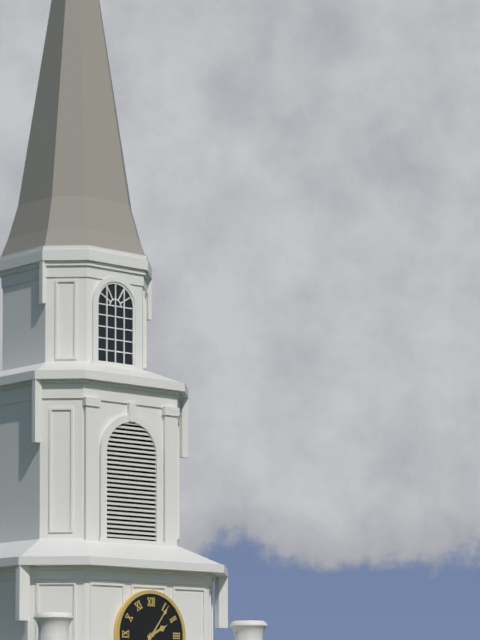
{"hour": 2, "minute": 6}
